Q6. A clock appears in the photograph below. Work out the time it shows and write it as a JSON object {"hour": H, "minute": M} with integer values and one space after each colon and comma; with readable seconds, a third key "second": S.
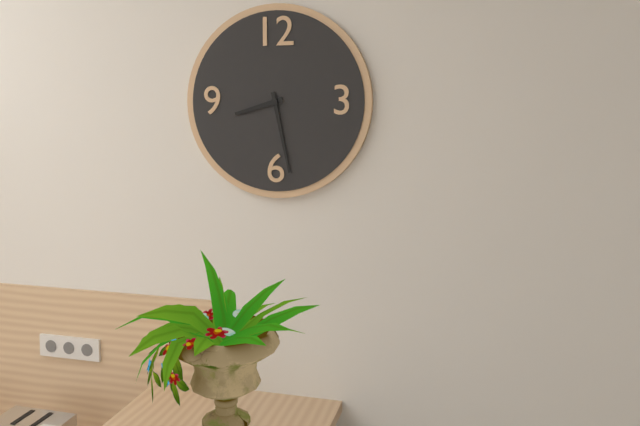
{"hour": 8, "minute": 28}
